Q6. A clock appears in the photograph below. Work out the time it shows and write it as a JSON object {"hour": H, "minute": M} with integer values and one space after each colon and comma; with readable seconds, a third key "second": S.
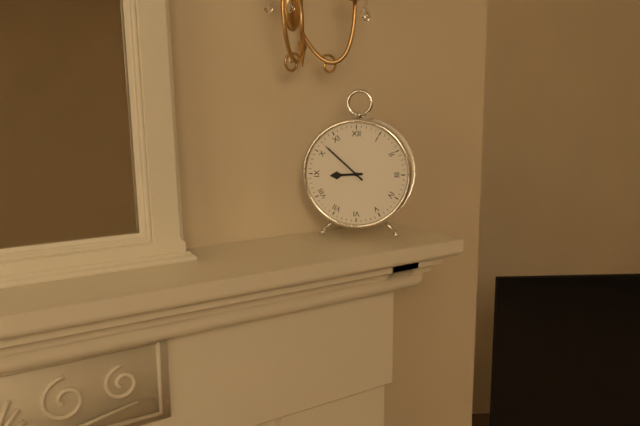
{"hour": 8, "minute": 52}
